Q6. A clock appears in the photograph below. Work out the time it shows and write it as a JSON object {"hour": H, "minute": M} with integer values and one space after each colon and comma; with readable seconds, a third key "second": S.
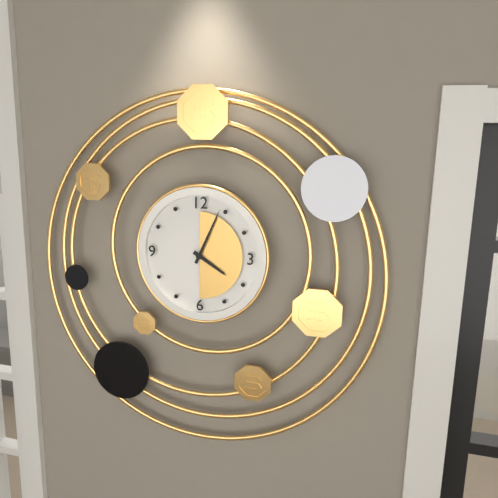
{"hour": 4, "minute": 4}
